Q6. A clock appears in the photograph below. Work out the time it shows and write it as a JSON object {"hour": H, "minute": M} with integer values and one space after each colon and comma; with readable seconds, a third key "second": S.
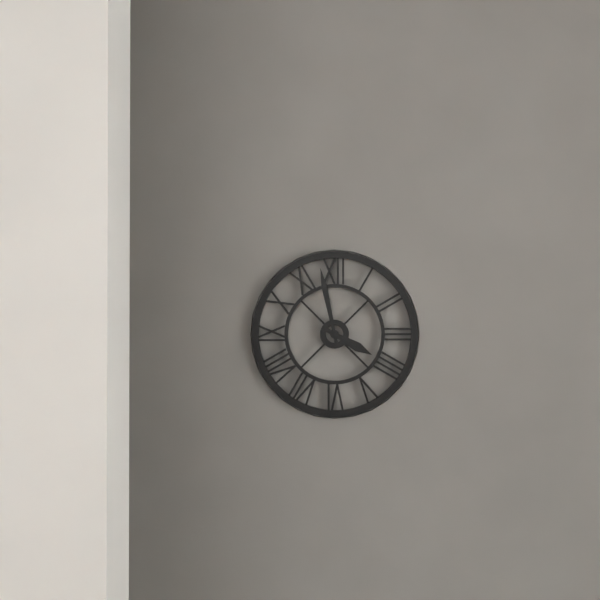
{"hour": 3, "minute": 58}
